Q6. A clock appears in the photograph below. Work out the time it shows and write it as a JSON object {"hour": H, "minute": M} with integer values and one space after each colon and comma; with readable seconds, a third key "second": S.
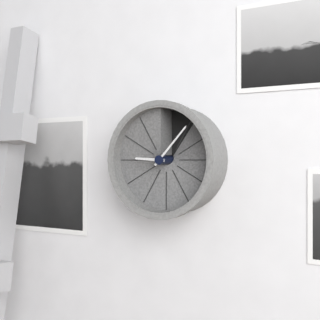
{"hour": 9, "minute": 7}
